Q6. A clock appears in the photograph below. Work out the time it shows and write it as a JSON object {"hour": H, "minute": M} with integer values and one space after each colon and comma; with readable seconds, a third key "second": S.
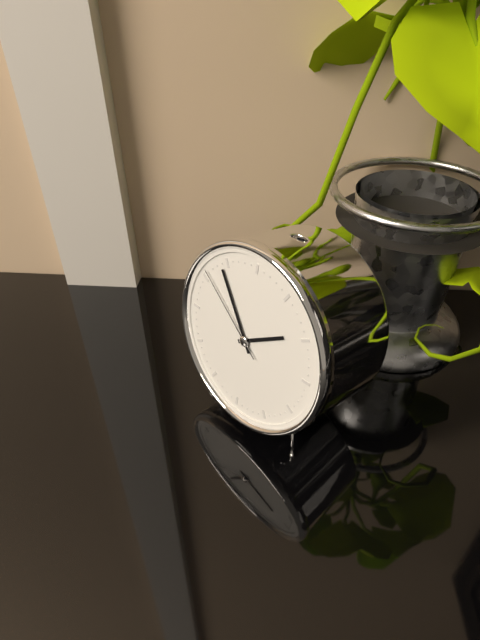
{"hour": 1, "minute": 54, "second": 51}
